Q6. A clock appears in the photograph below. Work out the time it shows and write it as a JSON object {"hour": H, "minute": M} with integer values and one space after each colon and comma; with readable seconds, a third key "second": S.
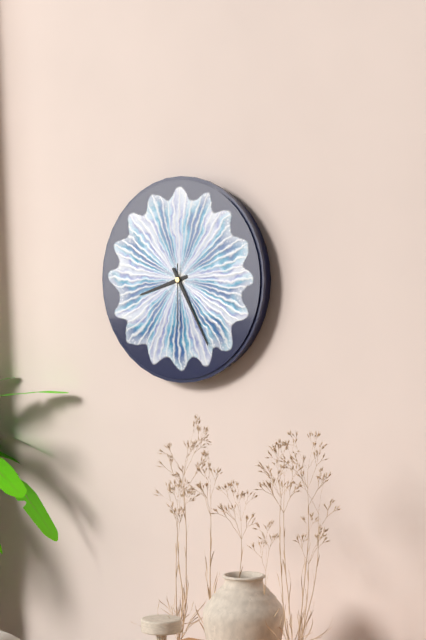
{"hour": 8, "minute": 25, "second": 30}
